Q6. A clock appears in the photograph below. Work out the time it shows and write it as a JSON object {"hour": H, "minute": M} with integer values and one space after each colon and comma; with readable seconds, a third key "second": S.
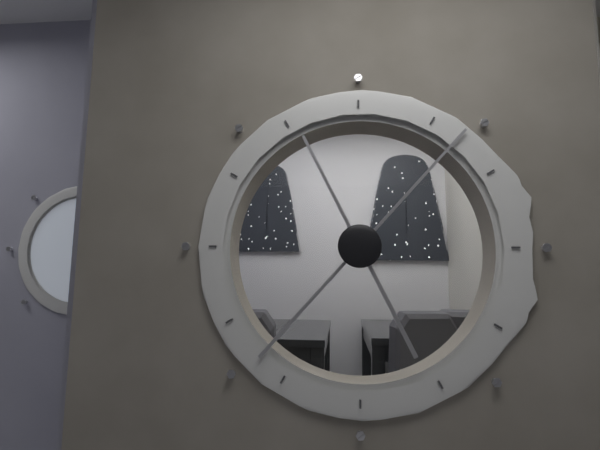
{"hour": 11, "minute": 7}
